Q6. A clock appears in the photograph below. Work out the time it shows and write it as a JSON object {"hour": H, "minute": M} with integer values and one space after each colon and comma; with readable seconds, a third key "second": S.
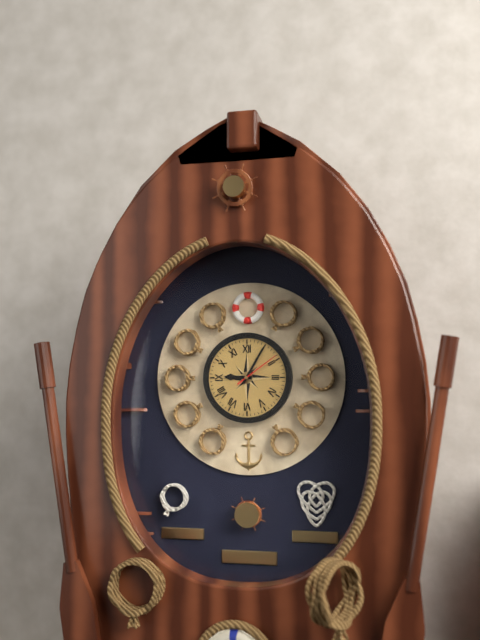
{"hour": 9, "minute": 5}
